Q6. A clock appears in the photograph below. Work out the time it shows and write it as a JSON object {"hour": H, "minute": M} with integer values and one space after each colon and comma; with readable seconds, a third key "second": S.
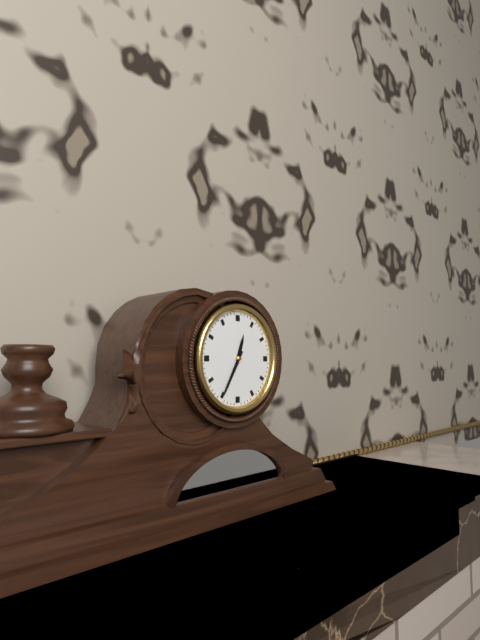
{"hour": 12, "minute": 35}
